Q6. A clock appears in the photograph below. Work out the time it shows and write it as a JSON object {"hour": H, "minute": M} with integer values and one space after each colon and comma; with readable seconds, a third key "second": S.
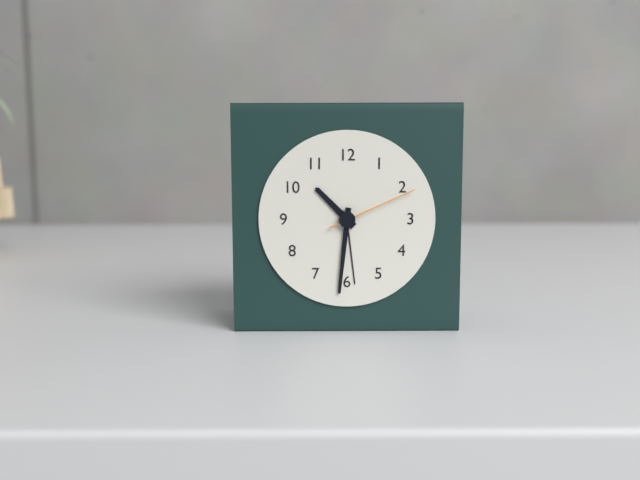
{"hour": 10, "minute": 31, "second": 11}
